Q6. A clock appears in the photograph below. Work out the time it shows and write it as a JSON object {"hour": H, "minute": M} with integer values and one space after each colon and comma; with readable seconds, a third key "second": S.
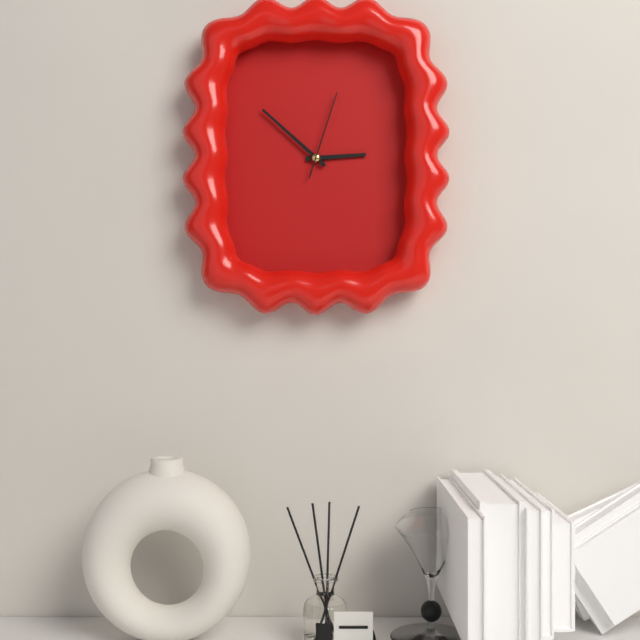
{"hour": 2, "minute": 52, "second": 3}
